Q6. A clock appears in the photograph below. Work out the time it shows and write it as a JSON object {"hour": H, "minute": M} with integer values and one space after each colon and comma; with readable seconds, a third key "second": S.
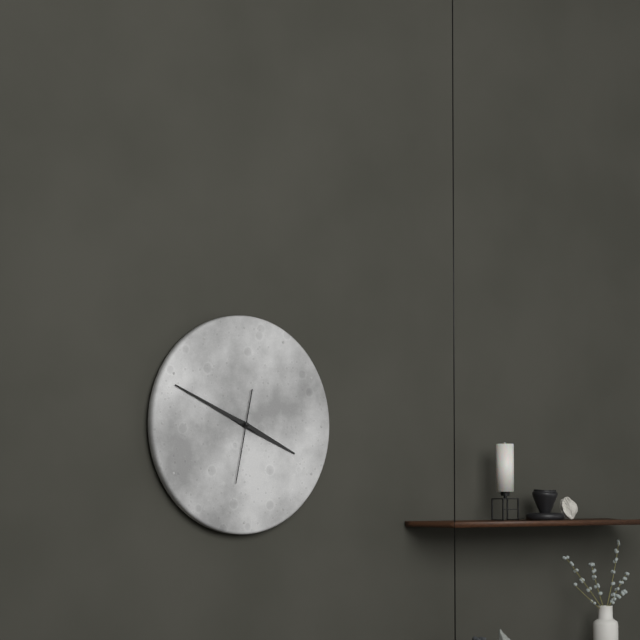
{"hour": 3, "minute": 49, "second": 32}
